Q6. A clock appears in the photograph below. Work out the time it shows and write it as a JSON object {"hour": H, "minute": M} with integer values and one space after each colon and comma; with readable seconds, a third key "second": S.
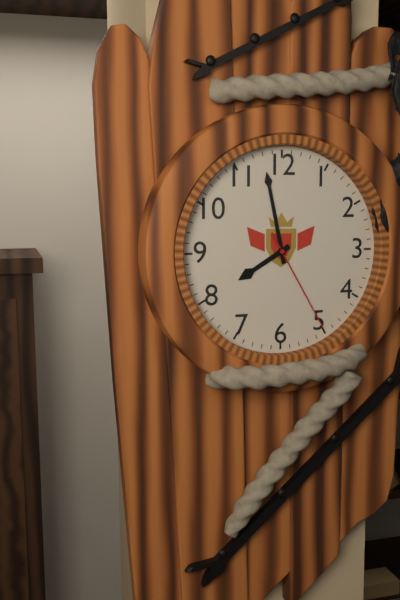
{"hour": 7, "minute": 58, "second": 25}
